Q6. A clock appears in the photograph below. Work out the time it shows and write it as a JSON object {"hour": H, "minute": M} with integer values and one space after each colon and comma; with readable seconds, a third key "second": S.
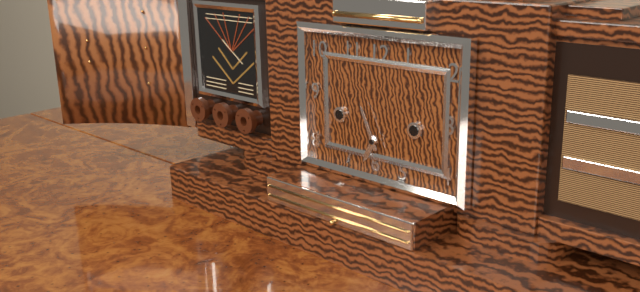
{"hour": 6, "minute": 56}
